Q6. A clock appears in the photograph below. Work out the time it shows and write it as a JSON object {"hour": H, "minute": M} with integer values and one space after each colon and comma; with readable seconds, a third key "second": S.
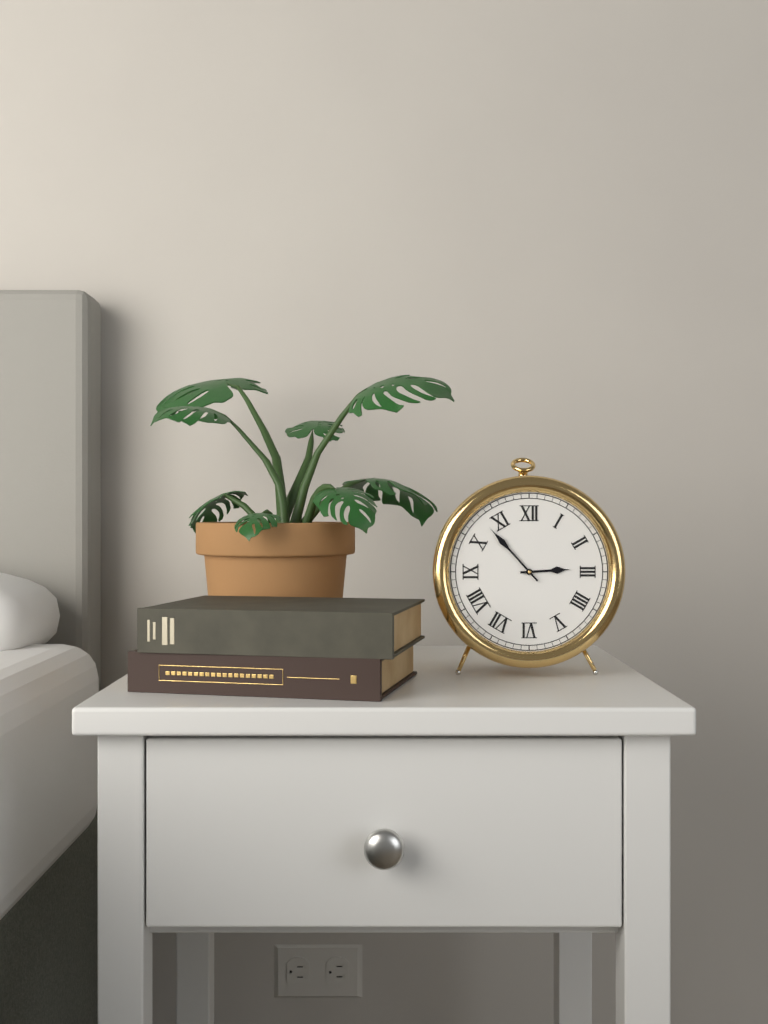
{"hour": 2, "minute": 53}
